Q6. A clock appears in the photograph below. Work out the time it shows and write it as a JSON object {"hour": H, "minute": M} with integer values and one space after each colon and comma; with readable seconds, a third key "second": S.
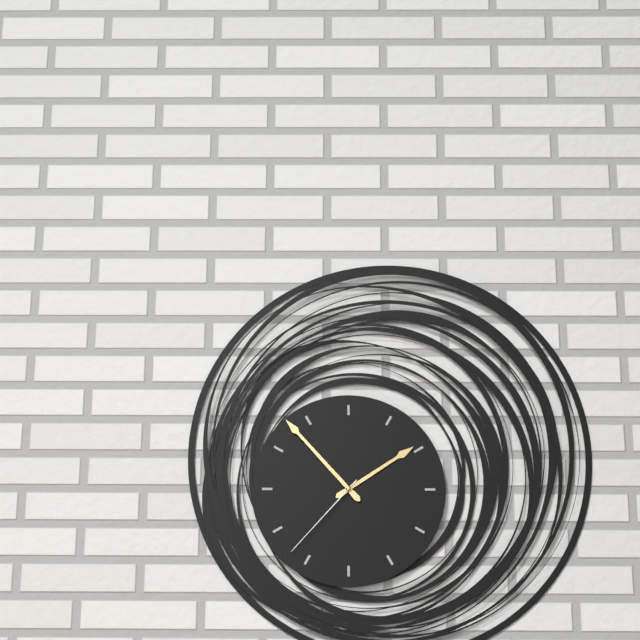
{"hour": 1, "minute": 53, "second": 37}
